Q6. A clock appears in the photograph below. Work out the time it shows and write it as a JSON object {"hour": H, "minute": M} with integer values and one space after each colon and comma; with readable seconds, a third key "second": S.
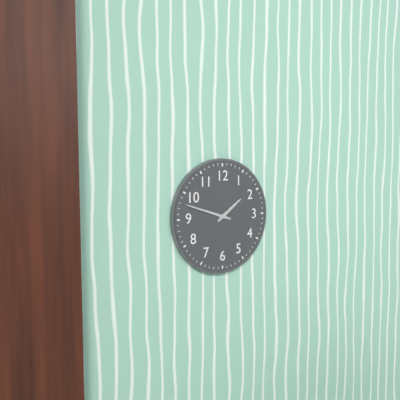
{"hour": 1, "minute": 48}
